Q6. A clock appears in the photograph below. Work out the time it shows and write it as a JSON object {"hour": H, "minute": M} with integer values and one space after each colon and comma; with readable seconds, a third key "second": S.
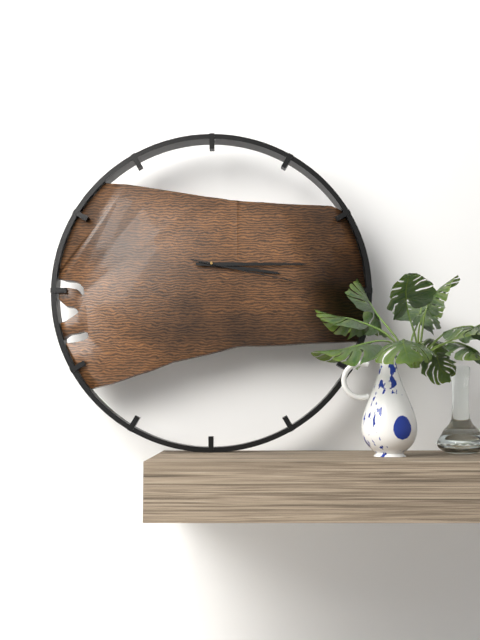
{"hour": 3, "minute": 15, "second": 17}
